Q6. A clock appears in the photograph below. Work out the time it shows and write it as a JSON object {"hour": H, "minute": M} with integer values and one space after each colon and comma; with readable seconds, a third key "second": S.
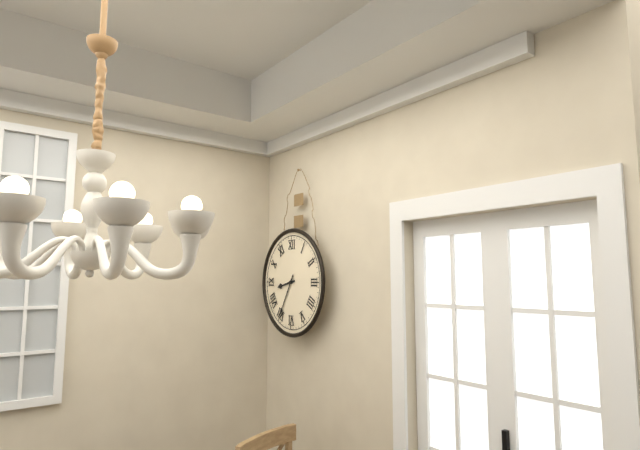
{"hour": 8, "minute": 35}
